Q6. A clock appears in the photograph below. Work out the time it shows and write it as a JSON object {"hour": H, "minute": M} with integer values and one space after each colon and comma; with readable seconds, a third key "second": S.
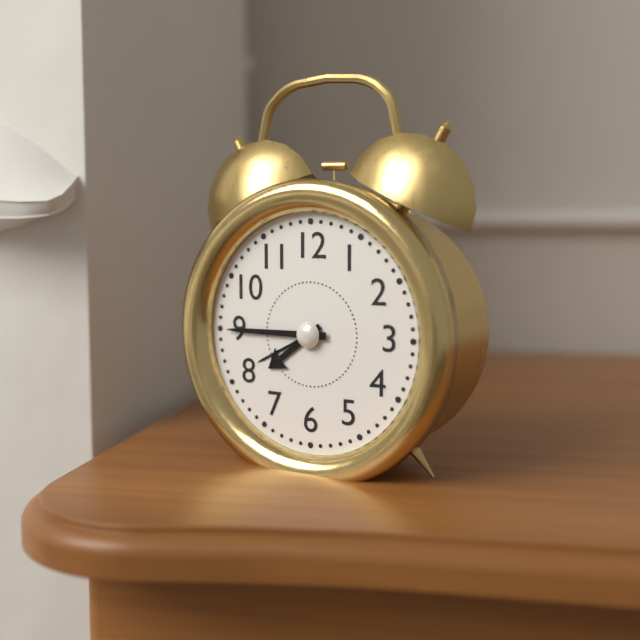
{"hour": 7, "minute": 45}
